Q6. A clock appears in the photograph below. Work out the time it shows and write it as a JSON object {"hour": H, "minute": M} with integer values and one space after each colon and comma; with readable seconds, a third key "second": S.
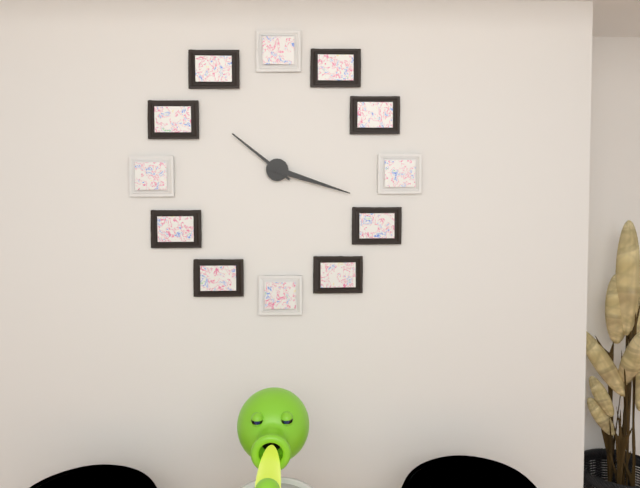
{"hour": 10, "minute": 18}
